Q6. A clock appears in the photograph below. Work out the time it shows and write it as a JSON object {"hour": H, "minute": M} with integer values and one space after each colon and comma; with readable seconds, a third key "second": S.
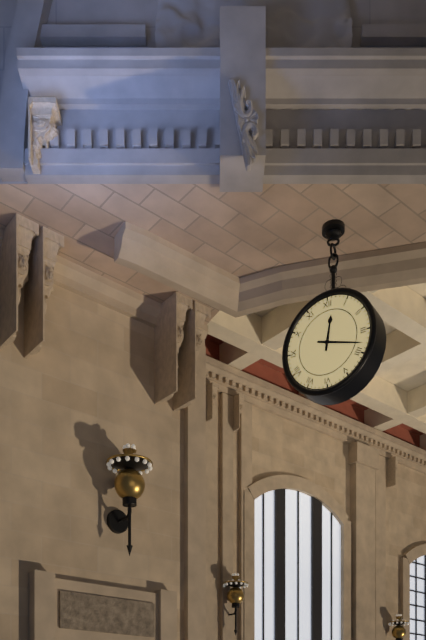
{"hour": 12, "minute": 18}
